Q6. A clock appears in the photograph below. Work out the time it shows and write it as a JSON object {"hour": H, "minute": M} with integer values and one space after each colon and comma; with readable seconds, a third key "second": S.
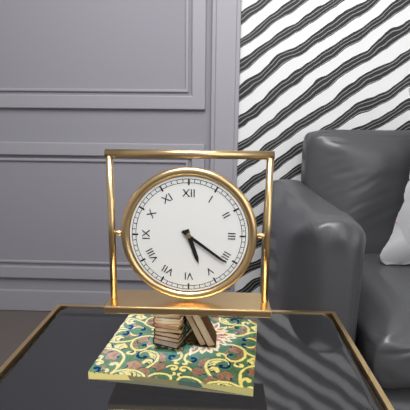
{"hour": 5, "minute": 21}
